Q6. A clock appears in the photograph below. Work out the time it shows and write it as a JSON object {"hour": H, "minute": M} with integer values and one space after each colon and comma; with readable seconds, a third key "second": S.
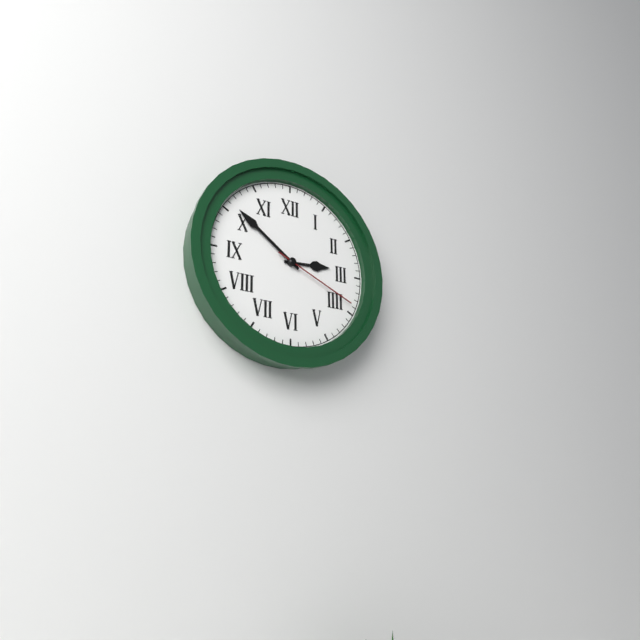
{"hour": 2, "minute": 51, "second": 19}
